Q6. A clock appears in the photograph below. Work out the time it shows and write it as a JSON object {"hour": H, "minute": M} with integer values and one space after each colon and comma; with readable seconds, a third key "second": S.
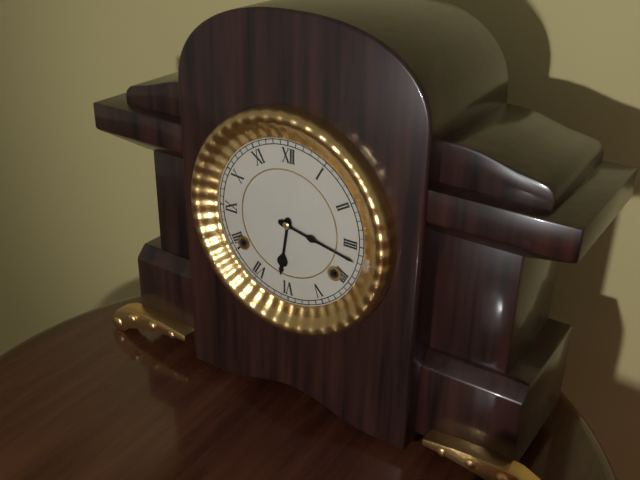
{"hour": 6, "minute": 17}
